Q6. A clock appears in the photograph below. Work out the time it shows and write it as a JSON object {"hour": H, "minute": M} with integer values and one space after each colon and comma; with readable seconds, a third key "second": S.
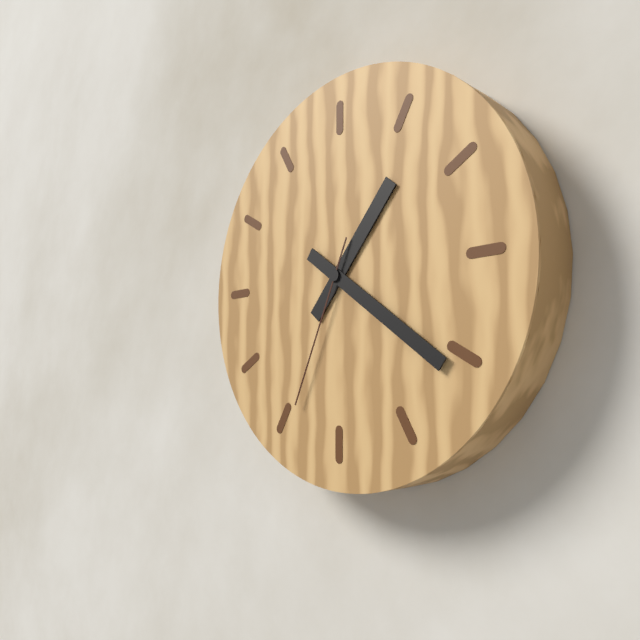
{"hour": 1, "minute": 21, "second": 34}
